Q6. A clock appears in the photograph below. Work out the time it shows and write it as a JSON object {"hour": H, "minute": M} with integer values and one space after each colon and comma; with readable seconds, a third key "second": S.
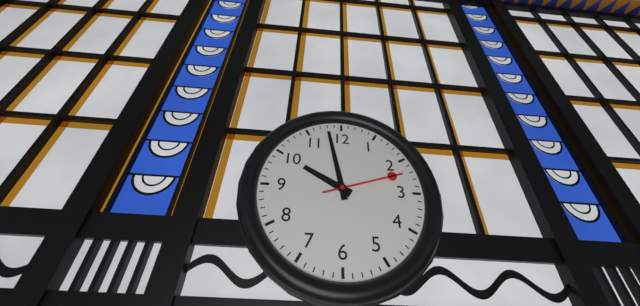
{"hour": 9, "minute": 58, "second": 12}
